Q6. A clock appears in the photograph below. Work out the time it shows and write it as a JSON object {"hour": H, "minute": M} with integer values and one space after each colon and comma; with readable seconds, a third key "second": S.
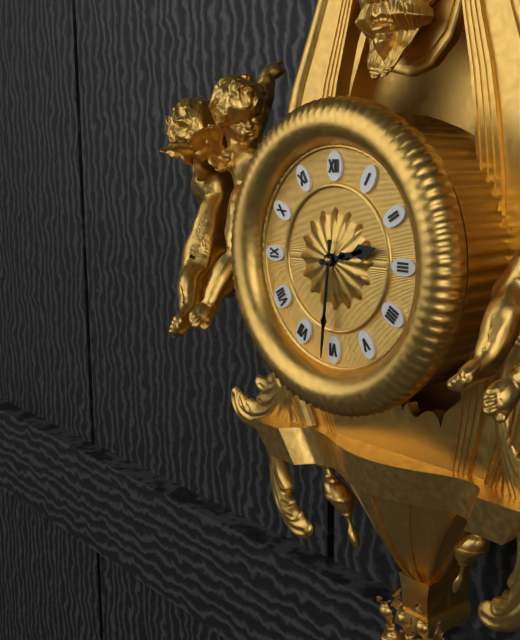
{"hour": 2, "minute": 31}
